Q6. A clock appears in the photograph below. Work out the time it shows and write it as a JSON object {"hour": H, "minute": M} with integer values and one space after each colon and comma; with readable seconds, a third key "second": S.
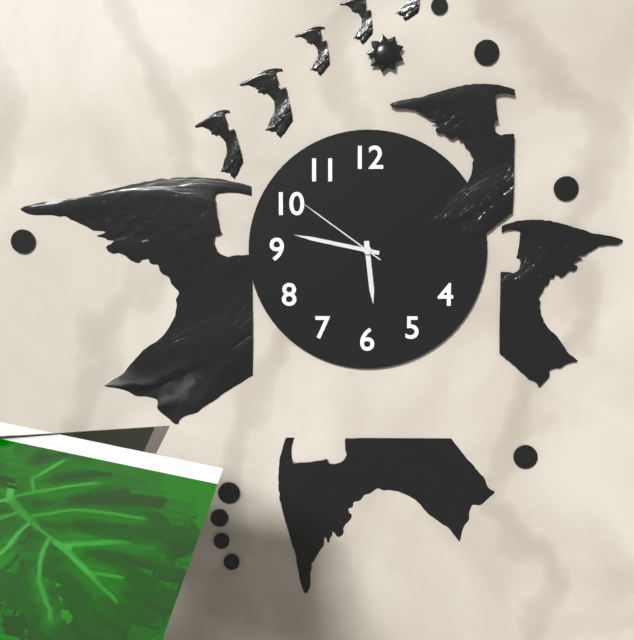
{"hour": 5, "minute": 47, "second": 51}
